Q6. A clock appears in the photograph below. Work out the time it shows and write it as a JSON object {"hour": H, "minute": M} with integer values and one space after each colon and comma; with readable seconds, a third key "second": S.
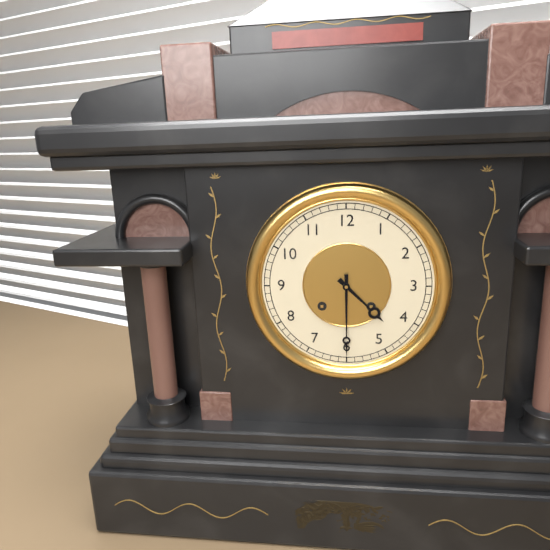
{"hour": 4, "minute": 30}
